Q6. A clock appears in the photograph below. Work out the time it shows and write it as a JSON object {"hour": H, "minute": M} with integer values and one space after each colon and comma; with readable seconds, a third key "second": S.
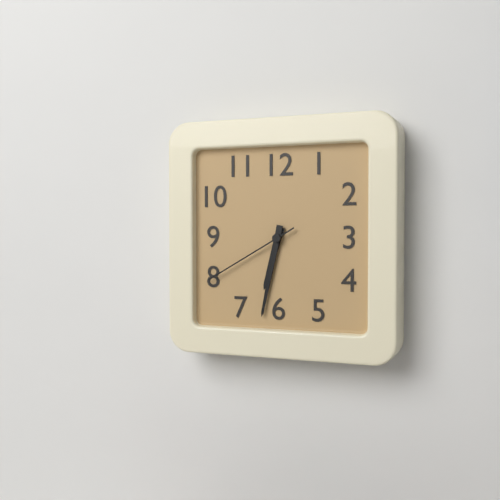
{"hour": 6, "minute": 32, "second": 40}
